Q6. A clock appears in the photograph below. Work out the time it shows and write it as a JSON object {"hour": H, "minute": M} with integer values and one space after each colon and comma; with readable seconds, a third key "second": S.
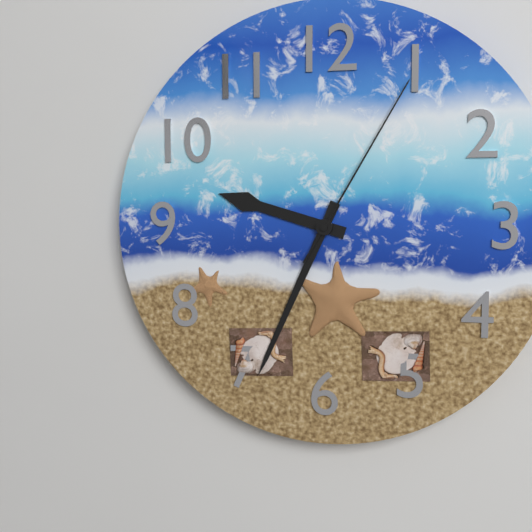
{"hour": 9, "minute": 34, "second": 5}
